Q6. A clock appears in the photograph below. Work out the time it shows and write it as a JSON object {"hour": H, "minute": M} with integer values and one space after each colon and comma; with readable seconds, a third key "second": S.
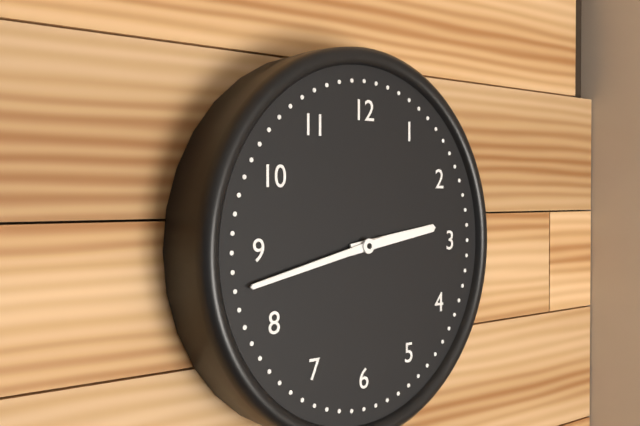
{"hour": 2, "minute": 43}
